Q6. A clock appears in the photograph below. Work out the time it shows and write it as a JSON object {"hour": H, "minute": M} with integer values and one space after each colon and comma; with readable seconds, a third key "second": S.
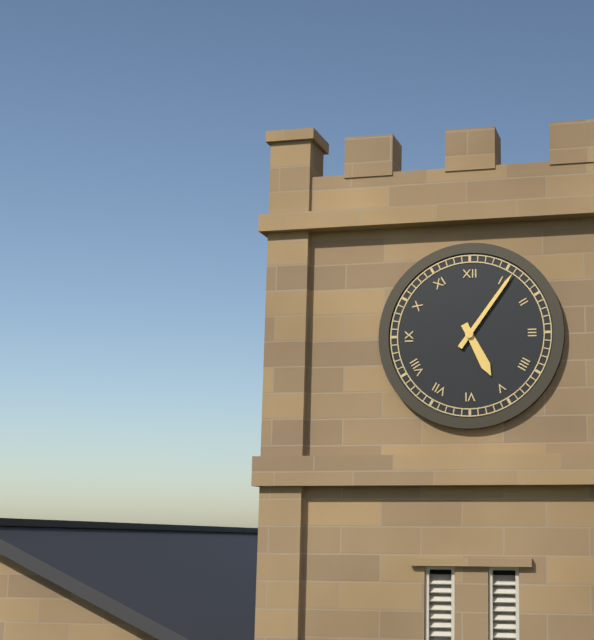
{"hour": 5, "minute": 6}
